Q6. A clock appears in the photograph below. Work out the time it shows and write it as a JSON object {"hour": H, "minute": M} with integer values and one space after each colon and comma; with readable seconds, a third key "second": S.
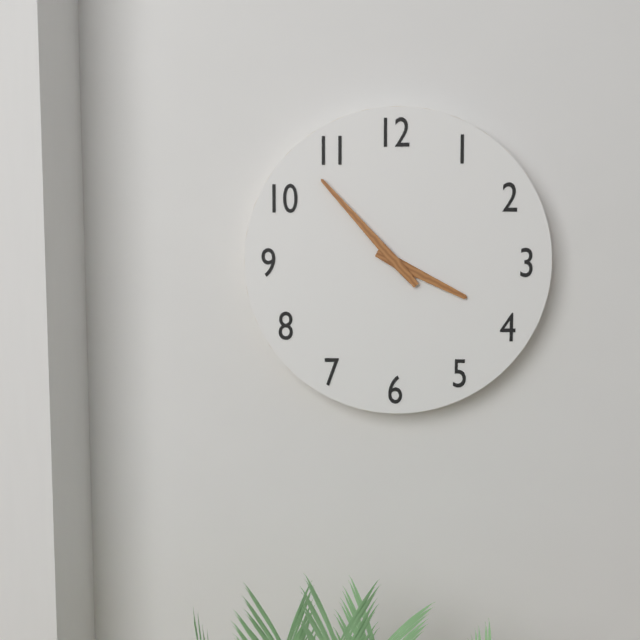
{"hour": 3, "minute": 53}
